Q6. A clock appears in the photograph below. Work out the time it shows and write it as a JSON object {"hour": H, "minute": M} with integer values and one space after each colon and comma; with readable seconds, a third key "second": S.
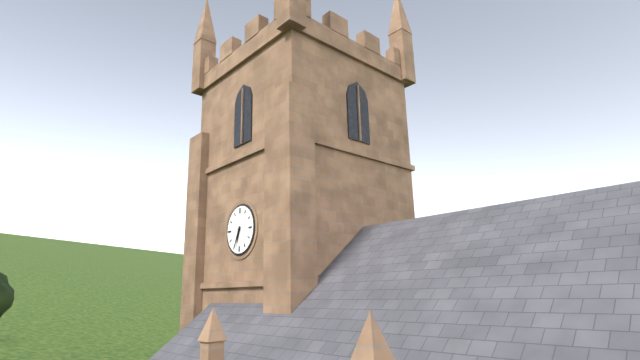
{"hour": 6, "minute": 34}
